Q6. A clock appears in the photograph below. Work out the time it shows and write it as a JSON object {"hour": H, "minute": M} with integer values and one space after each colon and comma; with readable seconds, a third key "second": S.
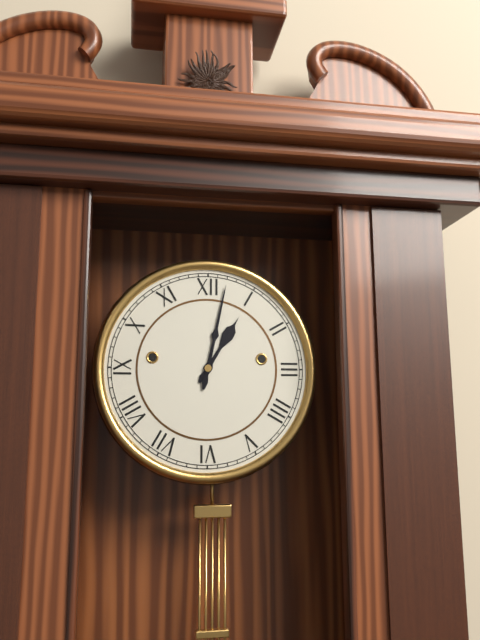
{"hour": 1, "minute": 2}
